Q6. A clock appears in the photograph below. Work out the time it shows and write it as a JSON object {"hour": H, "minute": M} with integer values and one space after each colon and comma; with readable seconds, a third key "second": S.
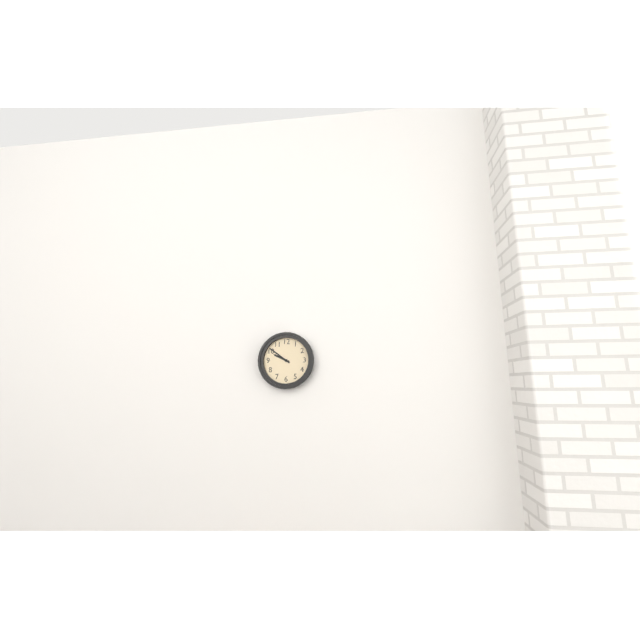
{"hour": 9, "minute": 51}
